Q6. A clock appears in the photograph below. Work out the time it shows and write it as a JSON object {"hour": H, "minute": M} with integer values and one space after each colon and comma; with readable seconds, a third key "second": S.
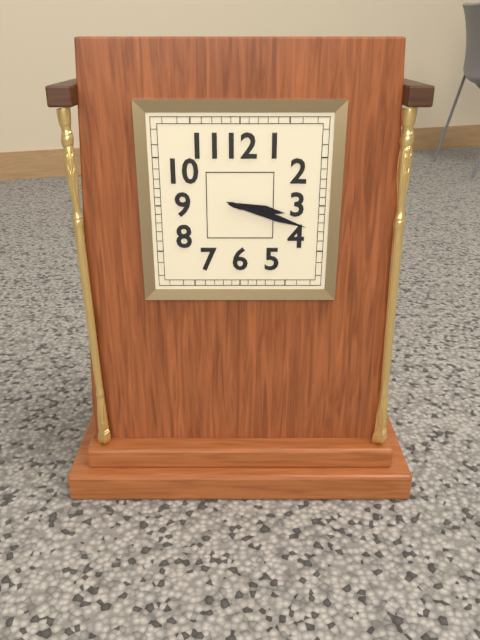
{"hour": 3, "minute": 18}
